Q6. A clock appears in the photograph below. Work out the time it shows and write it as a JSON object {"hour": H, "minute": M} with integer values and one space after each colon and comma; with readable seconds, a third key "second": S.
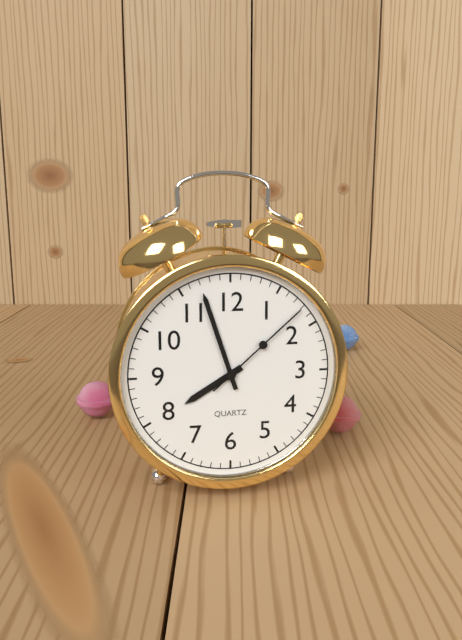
{"hour": 7, "minute": 57, "second": 8}
